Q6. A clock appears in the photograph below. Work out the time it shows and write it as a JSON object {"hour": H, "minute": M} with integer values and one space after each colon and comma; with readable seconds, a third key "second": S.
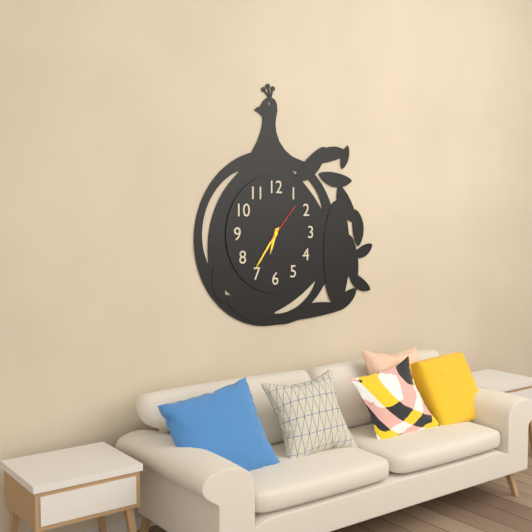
{"hour": 6, "minute": 36}
